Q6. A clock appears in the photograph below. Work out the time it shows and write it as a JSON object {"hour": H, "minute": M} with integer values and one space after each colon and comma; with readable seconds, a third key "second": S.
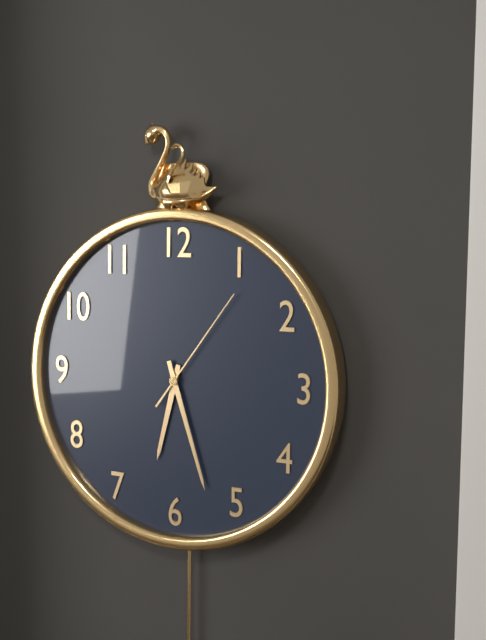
{"hour": 6, "minute": 27, "second": 6}
